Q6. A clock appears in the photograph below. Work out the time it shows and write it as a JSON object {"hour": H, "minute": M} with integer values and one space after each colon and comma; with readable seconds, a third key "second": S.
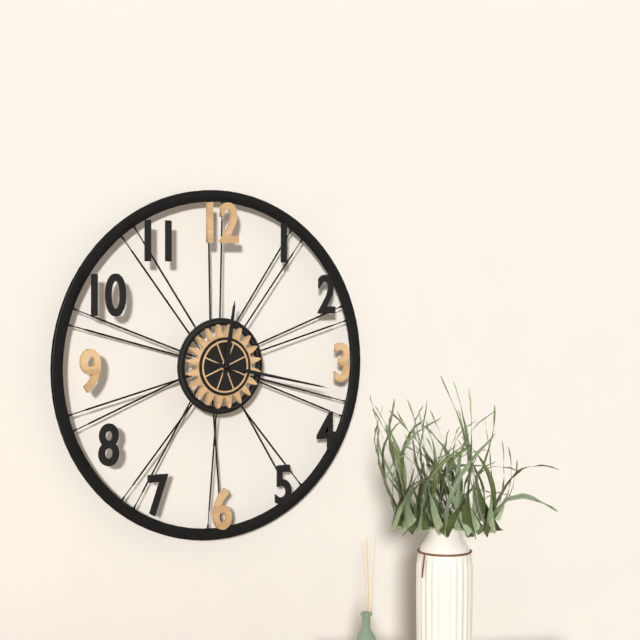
{"hour": 12, "minute": 17}
